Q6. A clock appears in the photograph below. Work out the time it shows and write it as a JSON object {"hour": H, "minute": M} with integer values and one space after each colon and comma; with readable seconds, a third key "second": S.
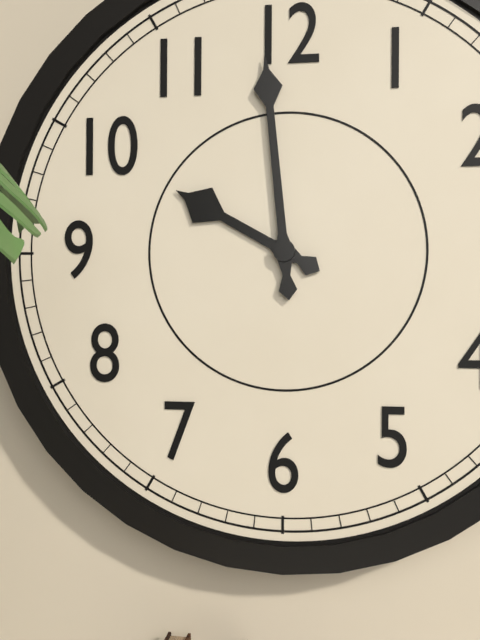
{"hour": 9, "minute": 59}
